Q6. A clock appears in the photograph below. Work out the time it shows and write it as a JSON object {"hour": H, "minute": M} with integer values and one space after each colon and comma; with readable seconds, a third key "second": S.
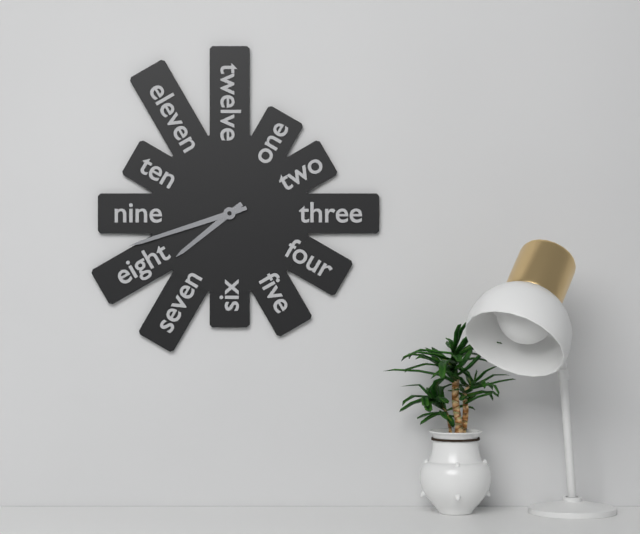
{"hour": 7, "minute": 42}
